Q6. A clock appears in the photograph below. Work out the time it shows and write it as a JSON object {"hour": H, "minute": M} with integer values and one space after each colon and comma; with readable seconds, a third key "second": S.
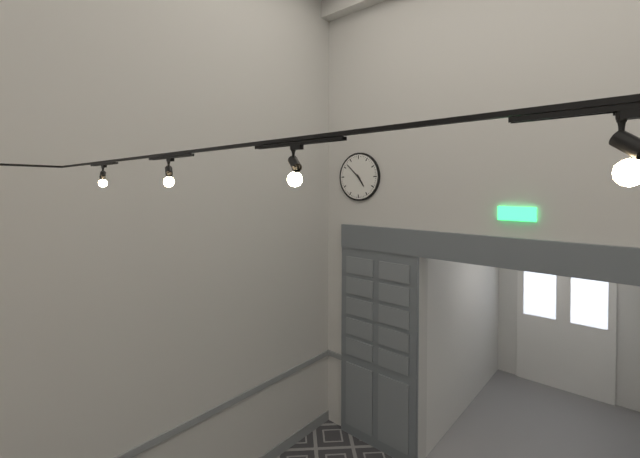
{"hour": 4, "minute": 52}
